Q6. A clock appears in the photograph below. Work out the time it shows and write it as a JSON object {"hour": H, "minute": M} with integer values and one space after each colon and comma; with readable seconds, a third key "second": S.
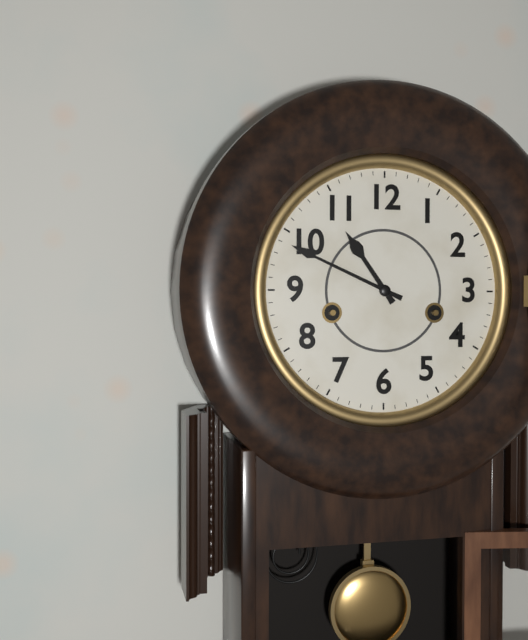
{"hour": 10, "minute": 49}
